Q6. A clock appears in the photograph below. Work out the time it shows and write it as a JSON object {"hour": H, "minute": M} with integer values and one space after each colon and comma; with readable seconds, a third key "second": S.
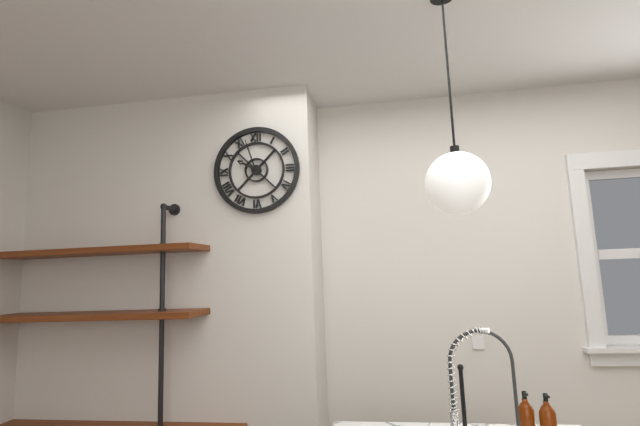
{"hour": 9, "minute": 57}
